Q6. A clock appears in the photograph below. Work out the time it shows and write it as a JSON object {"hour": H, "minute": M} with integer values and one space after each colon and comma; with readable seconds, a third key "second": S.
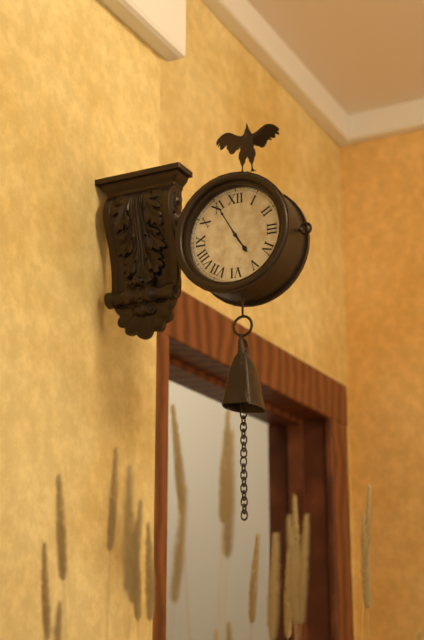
{"hour": 4, "minute": 55}
